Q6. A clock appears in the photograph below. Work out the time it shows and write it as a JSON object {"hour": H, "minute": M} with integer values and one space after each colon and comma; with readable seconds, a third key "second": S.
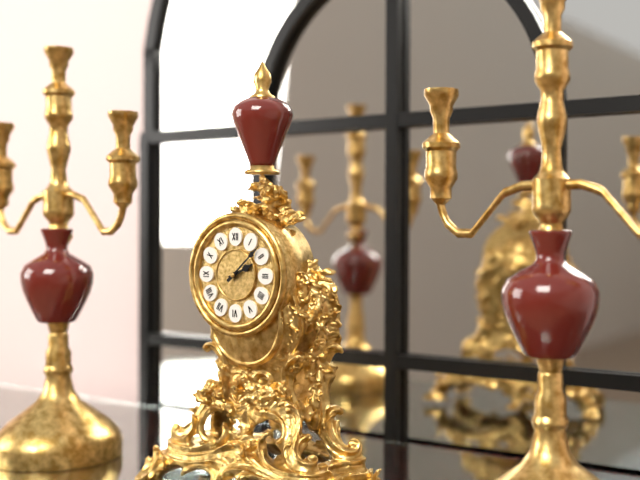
{"hour": 2, "minute": 8}
